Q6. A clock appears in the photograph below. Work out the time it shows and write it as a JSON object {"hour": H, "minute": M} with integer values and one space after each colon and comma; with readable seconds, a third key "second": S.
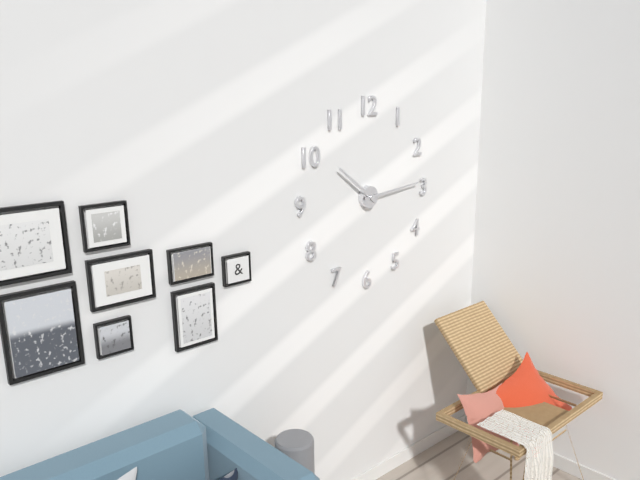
{"hour": 10, "minute": 14}
